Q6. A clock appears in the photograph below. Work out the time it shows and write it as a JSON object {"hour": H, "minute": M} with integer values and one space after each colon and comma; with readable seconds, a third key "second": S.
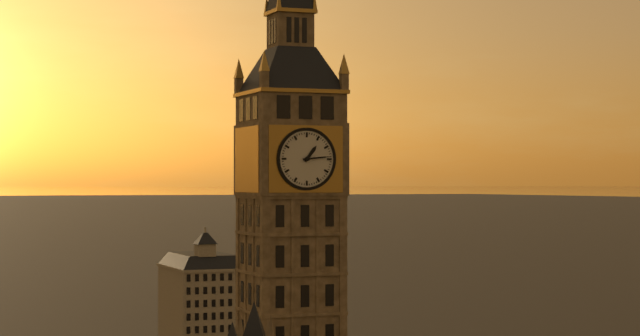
{"hour": 1, "minute": 14}
